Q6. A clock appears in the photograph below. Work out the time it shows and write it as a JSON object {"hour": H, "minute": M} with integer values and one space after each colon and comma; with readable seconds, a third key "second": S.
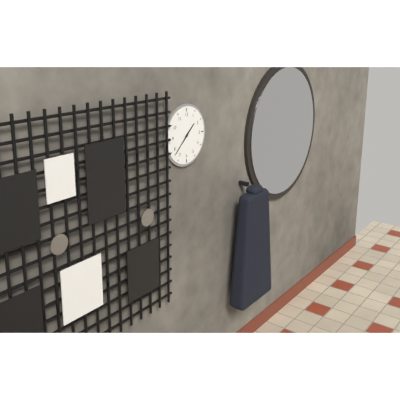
{"hour": 1, "minute": 38}
